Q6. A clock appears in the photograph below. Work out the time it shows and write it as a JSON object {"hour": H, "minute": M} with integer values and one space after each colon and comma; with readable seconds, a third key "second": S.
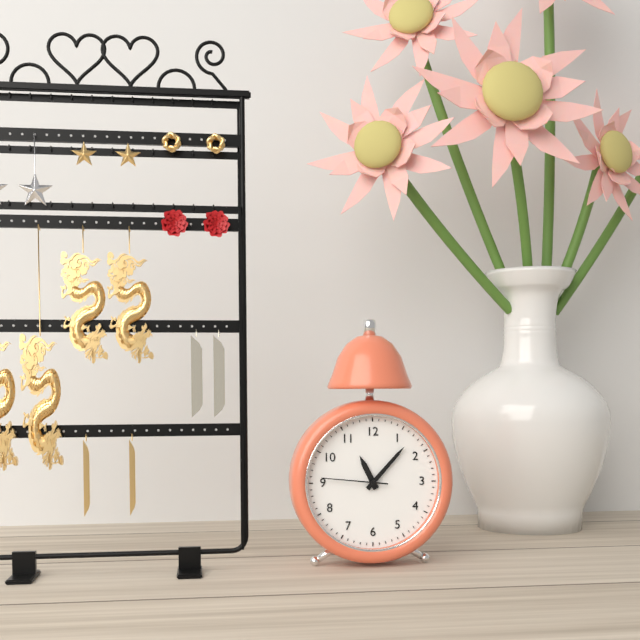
{"hour": 11, "minute": 7, "second": 46}
